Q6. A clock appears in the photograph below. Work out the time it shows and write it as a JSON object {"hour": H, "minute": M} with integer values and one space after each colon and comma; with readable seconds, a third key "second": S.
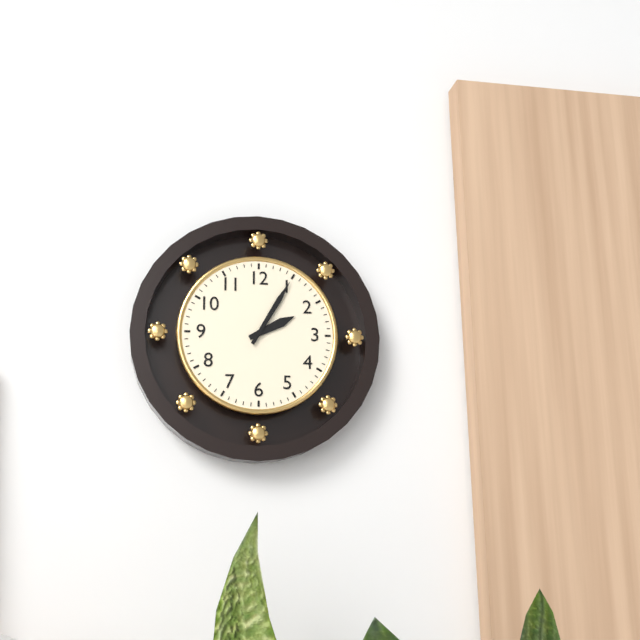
{"hour": 2, "minute": 5}
